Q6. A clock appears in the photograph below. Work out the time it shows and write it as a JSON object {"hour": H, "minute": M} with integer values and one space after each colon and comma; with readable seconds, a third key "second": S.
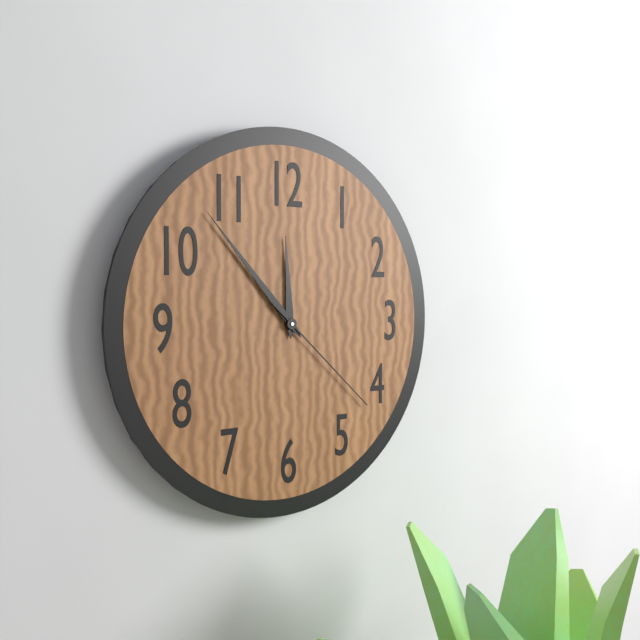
{"hour": 11, "minute": 53, "second": 22}
